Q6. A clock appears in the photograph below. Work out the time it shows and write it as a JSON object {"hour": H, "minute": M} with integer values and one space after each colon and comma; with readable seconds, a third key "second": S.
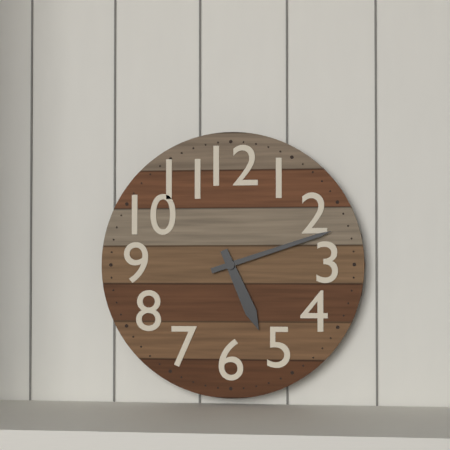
{"hour": 5, "minute": 12}
